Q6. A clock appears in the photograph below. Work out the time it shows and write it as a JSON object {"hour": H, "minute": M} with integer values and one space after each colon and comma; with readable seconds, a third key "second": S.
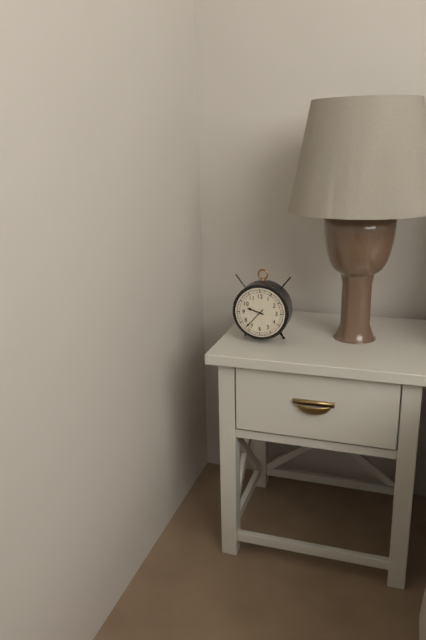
{"hour": 9, "minute": 37}
